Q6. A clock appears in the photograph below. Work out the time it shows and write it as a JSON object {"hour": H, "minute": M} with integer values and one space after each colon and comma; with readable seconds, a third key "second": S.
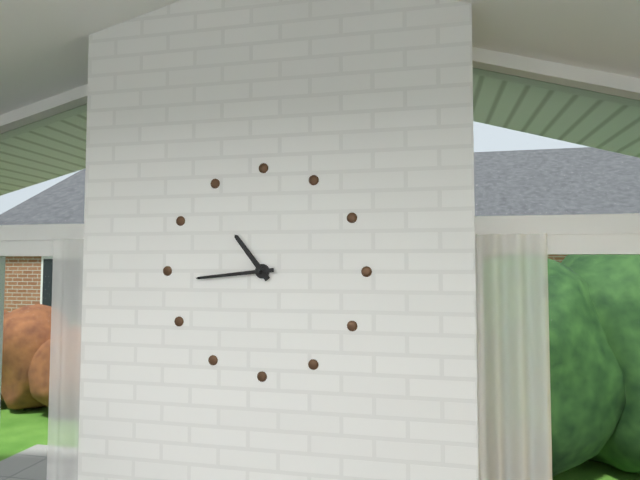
{"hour": 10, "minute": 44}
